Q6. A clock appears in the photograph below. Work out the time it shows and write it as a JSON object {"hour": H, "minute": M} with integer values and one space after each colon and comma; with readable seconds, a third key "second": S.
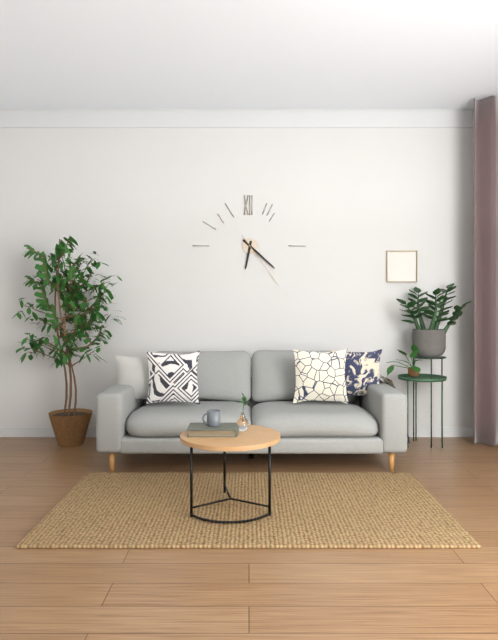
{"hour": 6, "minute": 22, "second": 24}
